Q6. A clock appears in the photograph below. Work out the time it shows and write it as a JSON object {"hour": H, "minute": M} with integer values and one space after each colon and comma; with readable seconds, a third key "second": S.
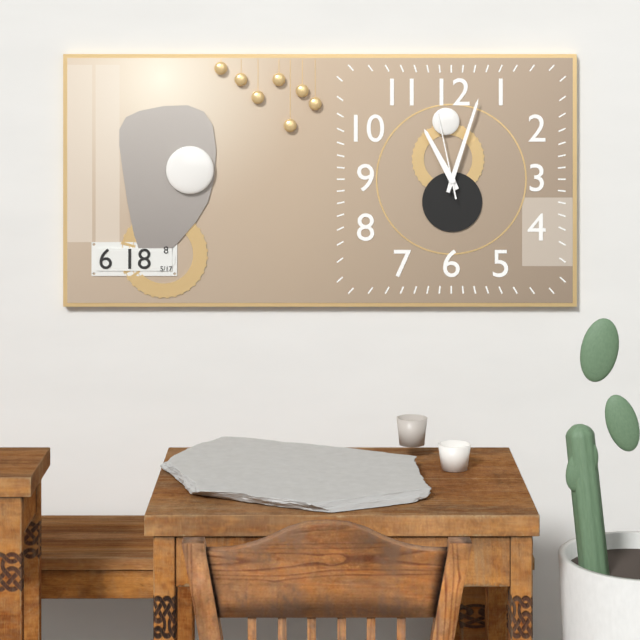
{"hour": 11, "minute": 3, "second": 58}
